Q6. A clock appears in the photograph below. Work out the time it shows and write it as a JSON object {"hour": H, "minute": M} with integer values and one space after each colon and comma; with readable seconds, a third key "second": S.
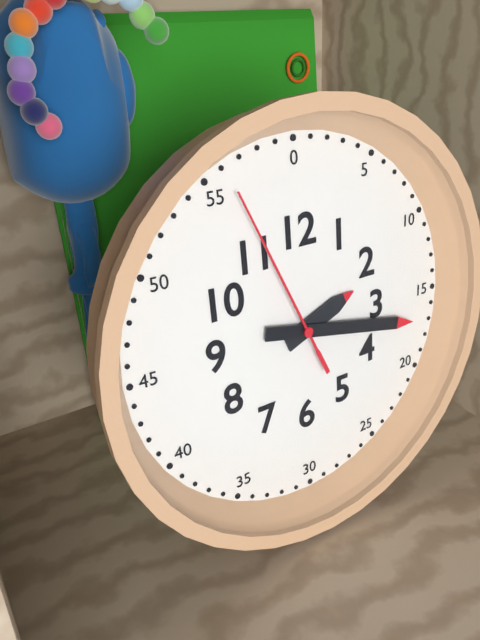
{"hour": 2, "minute": 17, "second": 56}
